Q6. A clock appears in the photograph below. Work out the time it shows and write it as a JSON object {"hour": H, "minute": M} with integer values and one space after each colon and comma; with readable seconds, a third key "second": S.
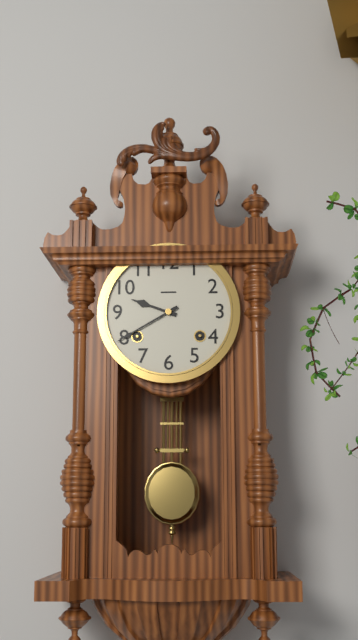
{"hour": 9, "minute": 40}
